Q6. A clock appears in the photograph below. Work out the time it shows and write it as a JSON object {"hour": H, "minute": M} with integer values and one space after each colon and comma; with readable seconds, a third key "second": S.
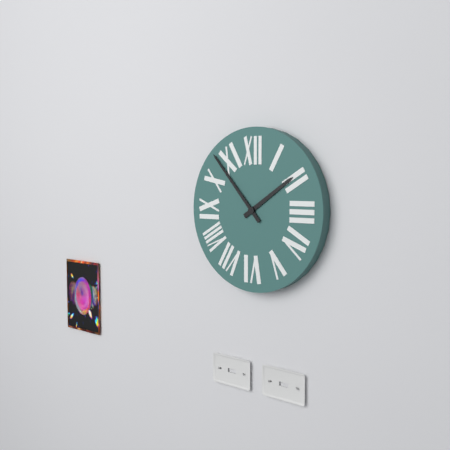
{"hour": 1, "minute": 53}
